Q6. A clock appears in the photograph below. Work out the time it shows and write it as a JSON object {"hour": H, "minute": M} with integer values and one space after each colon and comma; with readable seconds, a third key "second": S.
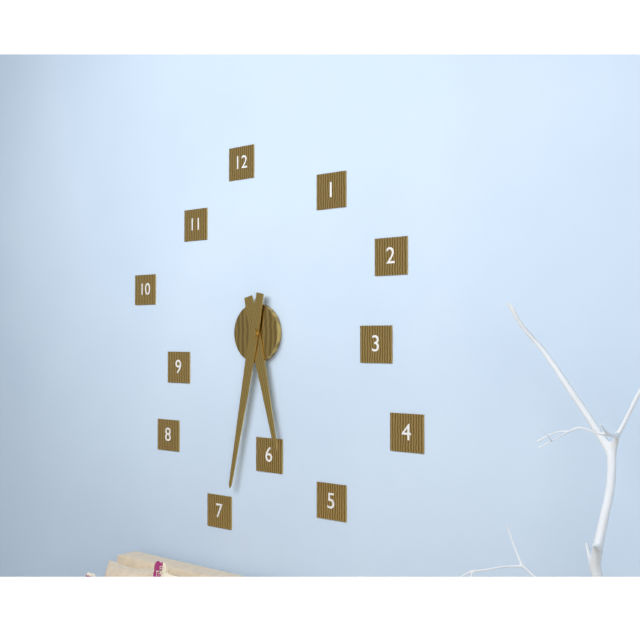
{"hour": 5, "minute": 32}
